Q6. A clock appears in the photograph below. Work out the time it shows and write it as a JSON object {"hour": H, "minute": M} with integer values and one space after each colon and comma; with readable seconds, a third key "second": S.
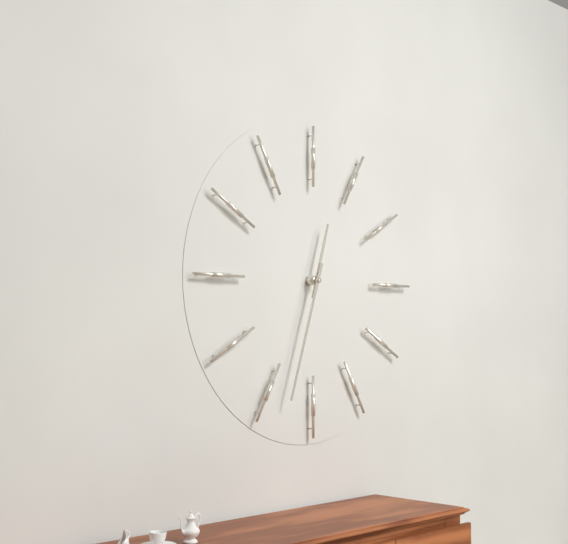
{"hour": 12, "minute": 33}
